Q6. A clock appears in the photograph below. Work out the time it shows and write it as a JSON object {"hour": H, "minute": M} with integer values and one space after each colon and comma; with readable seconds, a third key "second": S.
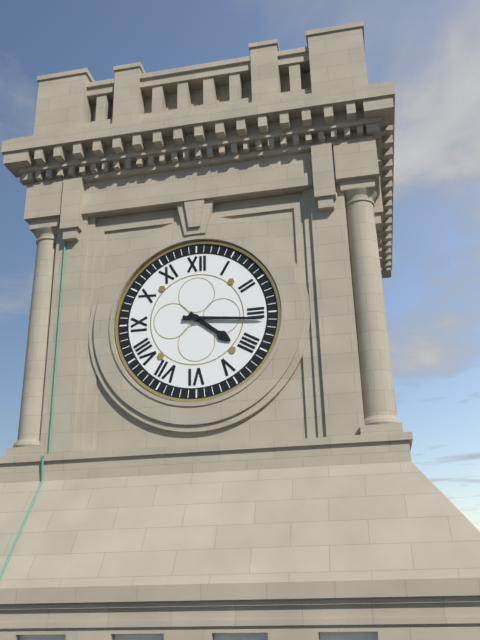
{"hour": 4, "minute": 16}
